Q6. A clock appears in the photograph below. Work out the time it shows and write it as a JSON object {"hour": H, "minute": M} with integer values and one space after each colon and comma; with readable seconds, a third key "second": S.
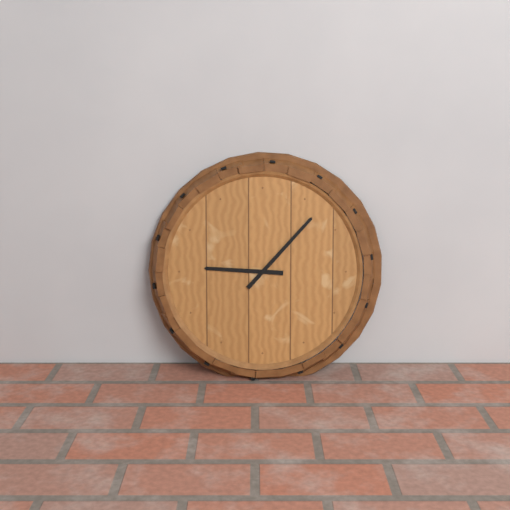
{"hour": 9, "minute": 7}
